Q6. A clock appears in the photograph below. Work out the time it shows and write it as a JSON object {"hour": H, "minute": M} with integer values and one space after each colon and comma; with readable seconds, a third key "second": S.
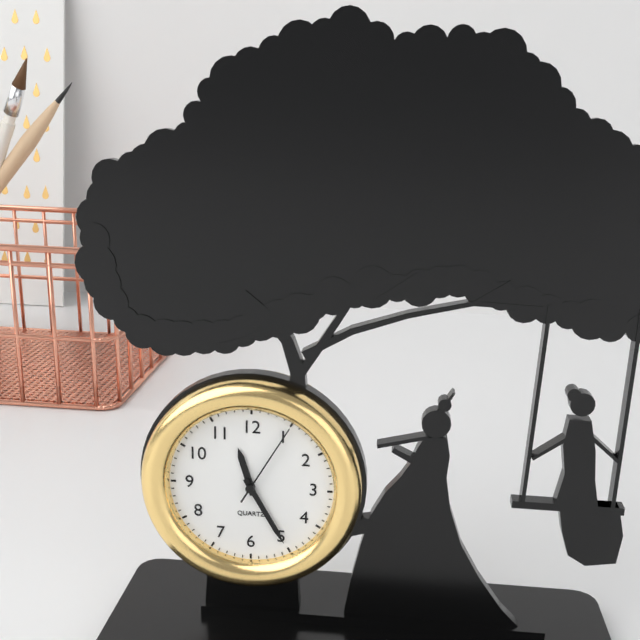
{"hour": 11, "minute": 25, "second": 5}
